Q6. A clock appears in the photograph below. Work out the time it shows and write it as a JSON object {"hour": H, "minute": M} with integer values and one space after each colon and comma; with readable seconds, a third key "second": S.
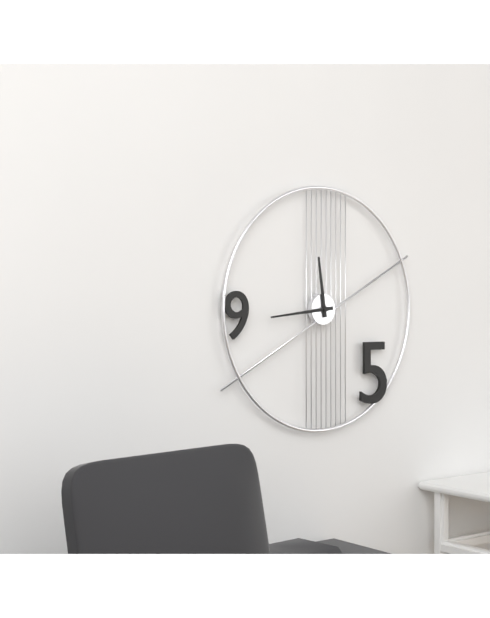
{"hour": 11, "minute": 44}
